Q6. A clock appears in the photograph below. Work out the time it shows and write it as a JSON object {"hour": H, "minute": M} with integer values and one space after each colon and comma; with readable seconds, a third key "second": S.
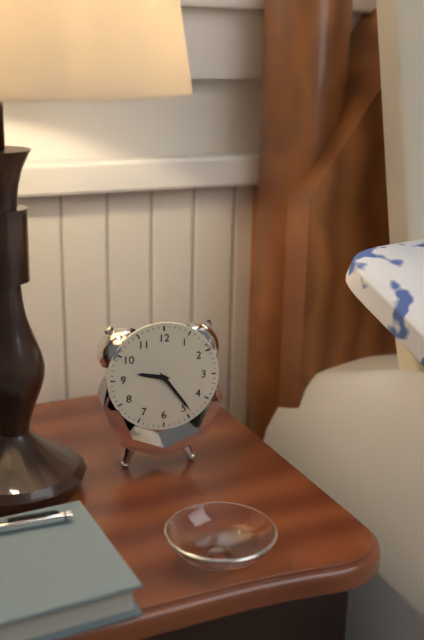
{"hour": 9, "minute": 24}
